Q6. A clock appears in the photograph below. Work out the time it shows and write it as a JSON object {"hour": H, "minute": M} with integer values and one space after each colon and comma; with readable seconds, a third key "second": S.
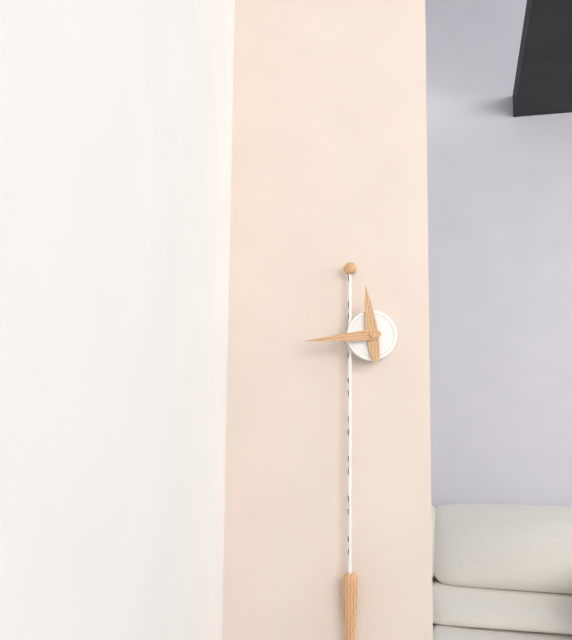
{"hour": 11, "minute": 44}
